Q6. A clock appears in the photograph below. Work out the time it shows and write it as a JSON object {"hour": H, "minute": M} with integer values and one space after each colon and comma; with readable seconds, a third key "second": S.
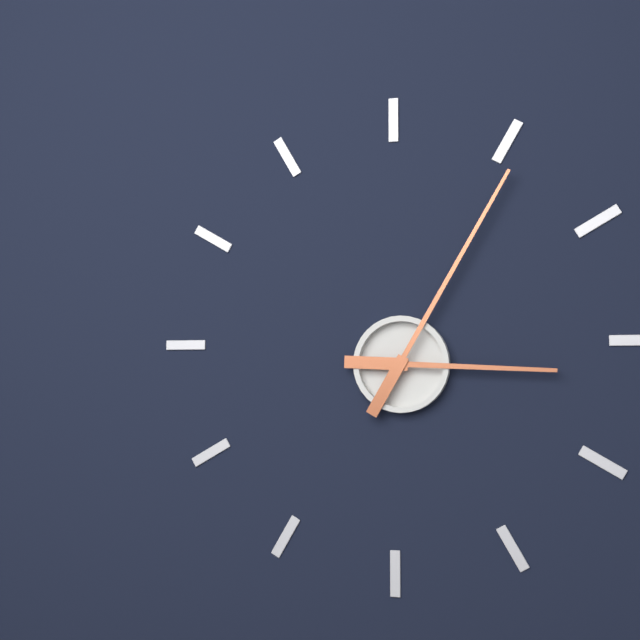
{"hour": 3, "minute": 5}
